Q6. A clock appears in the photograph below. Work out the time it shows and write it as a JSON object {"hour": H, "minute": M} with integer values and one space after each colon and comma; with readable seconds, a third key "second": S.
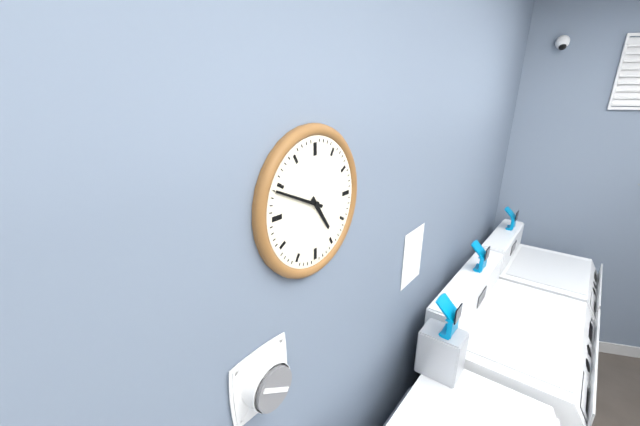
{"hour": 4, "minute": 49}
